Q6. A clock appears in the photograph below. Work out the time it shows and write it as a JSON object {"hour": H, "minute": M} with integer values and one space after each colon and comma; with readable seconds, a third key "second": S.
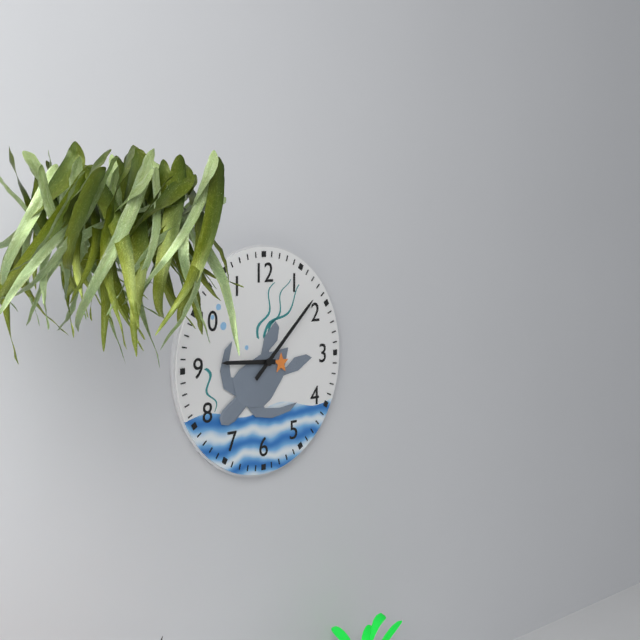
{"hour": 9, "minute": 8}
